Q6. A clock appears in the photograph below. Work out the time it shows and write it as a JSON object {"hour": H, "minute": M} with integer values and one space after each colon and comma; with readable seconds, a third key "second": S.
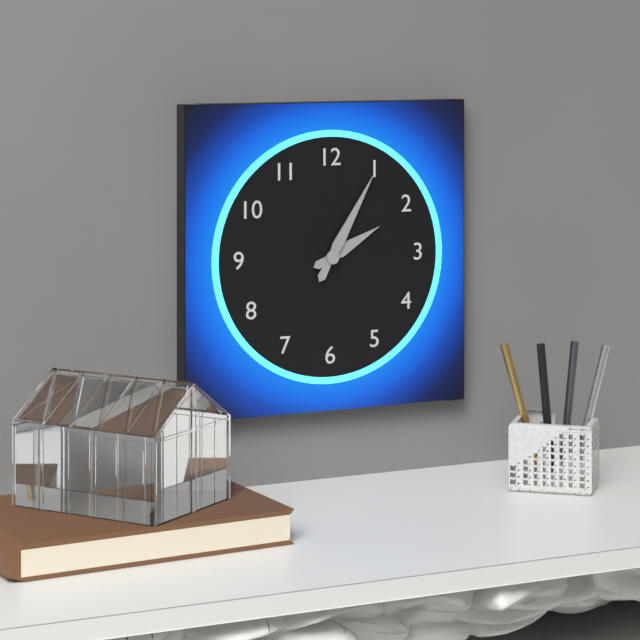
{"hour": 2, "minute": 5}
